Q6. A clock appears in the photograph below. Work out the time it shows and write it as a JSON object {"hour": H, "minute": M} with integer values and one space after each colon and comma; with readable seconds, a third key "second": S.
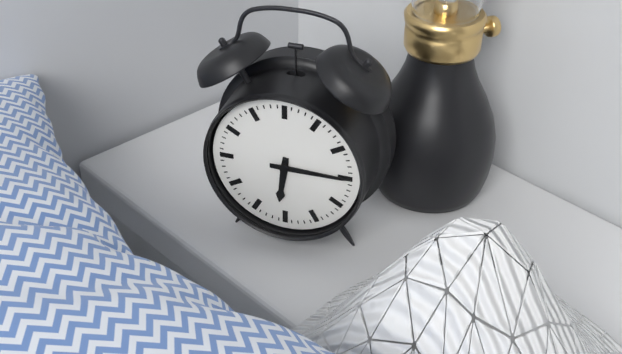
{"hour": 6, "minute": 15}
